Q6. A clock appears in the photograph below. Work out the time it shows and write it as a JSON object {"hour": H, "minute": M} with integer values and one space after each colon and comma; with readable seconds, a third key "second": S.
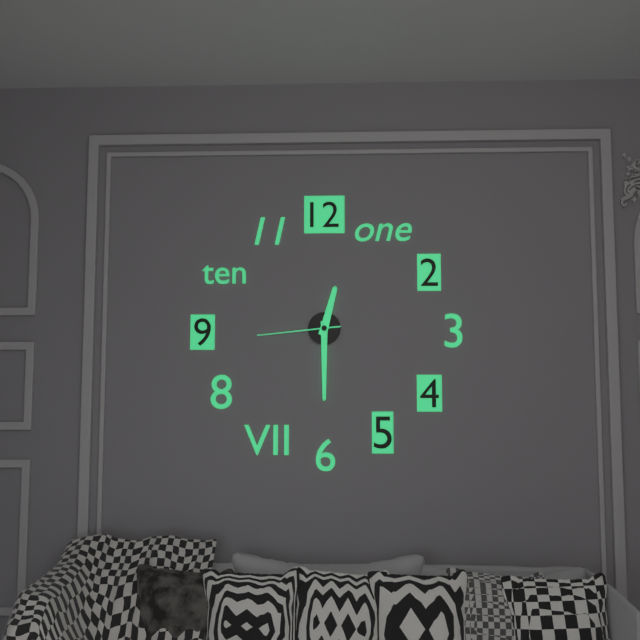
{"hour": 12, "minute": 30, "second": 44}
